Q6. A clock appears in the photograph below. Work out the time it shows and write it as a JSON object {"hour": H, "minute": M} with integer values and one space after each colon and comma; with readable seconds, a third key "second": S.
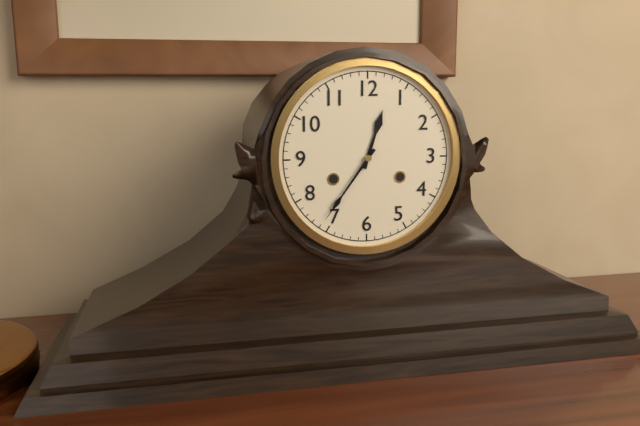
{"hour": 12, "minute": 36}
